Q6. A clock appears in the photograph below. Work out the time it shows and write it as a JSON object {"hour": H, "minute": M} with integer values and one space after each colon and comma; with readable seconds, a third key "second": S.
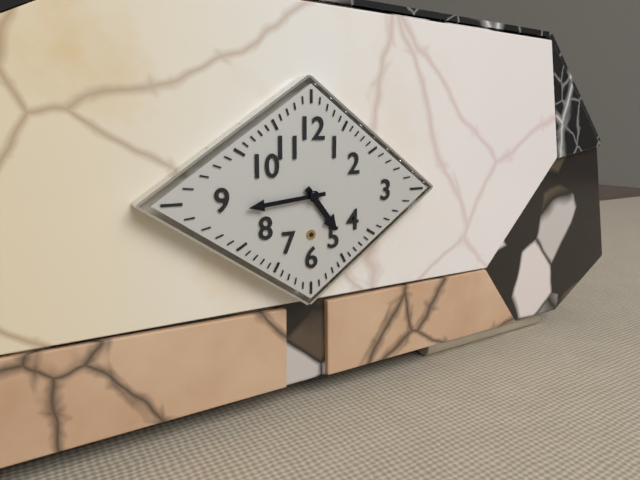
{"hour": 4, "minute": 44}
